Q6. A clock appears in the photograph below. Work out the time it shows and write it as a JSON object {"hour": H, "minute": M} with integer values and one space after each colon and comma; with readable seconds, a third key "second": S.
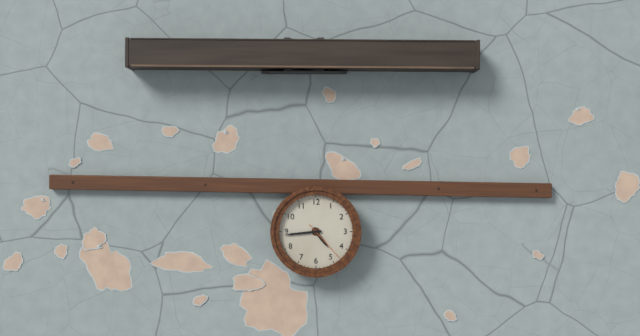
{"hour": 4, "minute": 44}
